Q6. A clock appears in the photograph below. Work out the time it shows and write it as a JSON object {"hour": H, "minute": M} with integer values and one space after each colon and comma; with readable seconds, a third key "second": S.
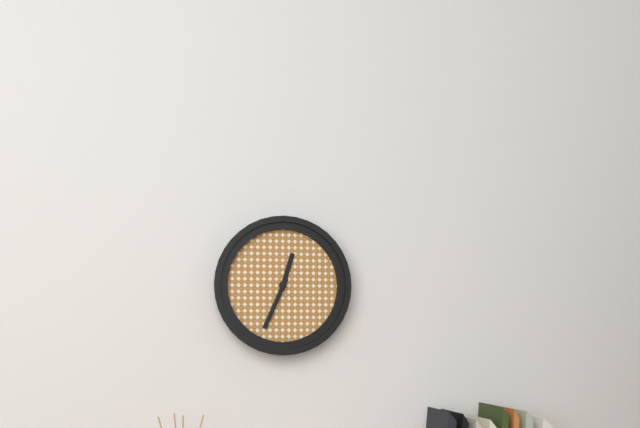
{"hour": 12, "minute": 34}
